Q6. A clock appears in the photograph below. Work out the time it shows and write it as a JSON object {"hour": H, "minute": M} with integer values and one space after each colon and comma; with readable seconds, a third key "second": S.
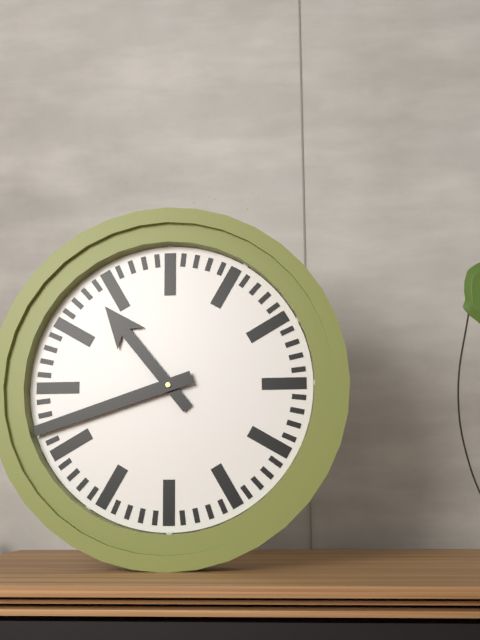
{"hour": 10, "minute": 42}
